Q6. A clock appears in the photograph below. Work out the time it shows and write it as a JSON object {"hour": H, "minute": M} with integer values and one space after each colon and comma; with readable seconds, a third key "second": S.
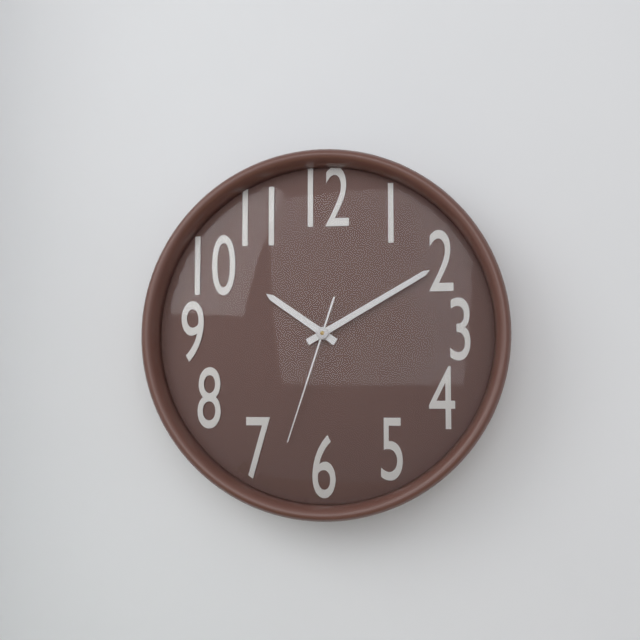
{"hour": 10, "minute": 10, "second": 33}
